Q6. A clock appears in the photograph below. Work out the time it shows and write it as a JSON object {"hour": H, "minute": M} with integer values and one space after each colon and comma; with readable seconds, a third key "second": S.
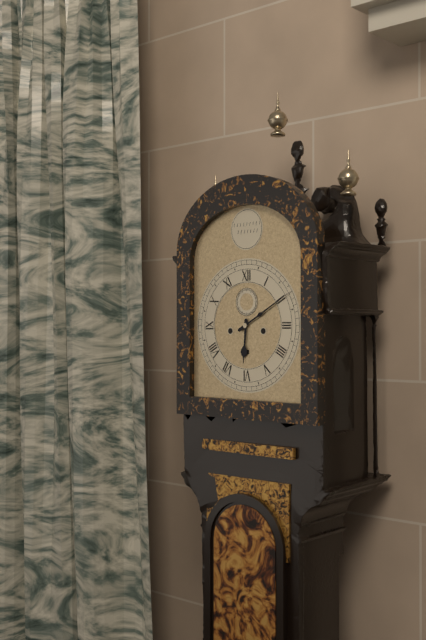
{"hour": 6, "minute": 10}
